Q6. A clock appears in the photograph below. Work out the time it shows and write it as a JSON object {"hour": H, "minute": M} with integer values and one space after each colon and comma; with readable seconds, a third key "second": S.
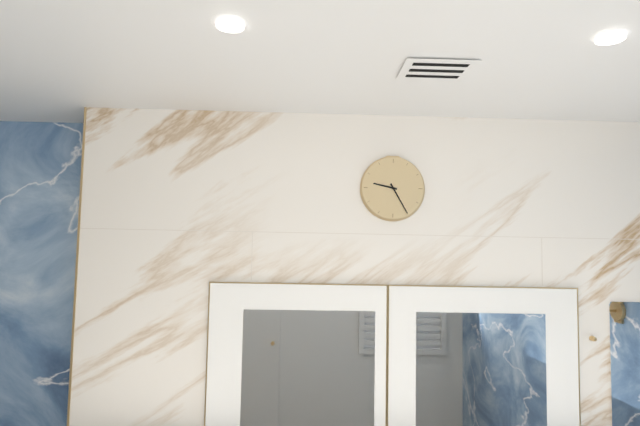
{"hour": 9, "minute": 25}
